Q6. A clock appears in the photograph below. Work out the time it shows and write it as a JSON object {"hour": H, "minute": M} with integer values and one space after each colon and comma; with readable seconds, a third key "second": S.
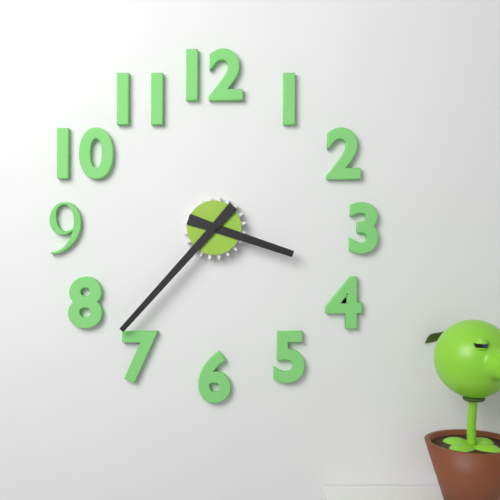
{"hour": 3, "minute": 37}
